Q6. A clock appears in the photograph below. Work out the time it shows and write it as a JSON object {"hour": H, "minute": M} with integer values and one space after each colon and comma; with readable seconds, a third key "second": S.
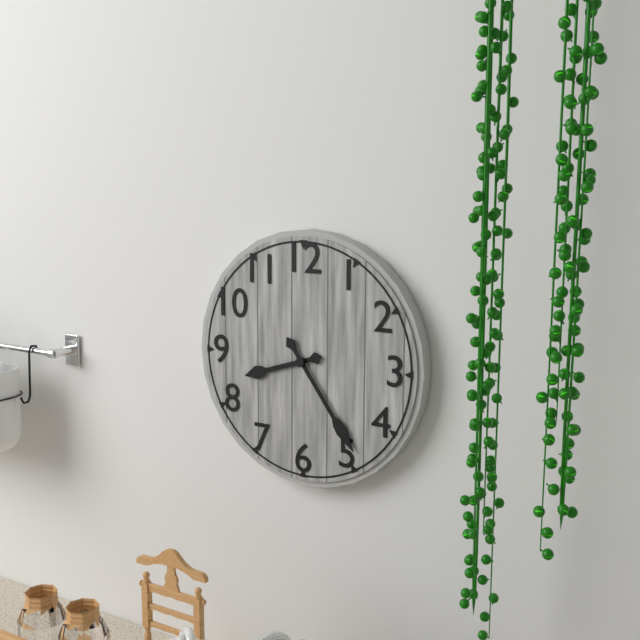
{"hour": 8, "minute": 24}
